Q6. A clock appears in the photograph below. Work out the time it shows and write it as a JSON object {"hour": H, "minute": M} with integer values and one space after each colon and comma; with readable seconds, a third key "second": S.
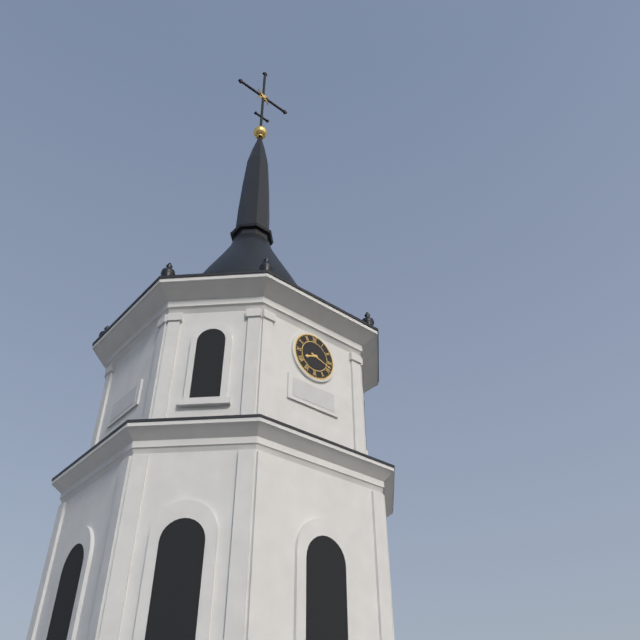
{"hour": 8, "minute": 18}
